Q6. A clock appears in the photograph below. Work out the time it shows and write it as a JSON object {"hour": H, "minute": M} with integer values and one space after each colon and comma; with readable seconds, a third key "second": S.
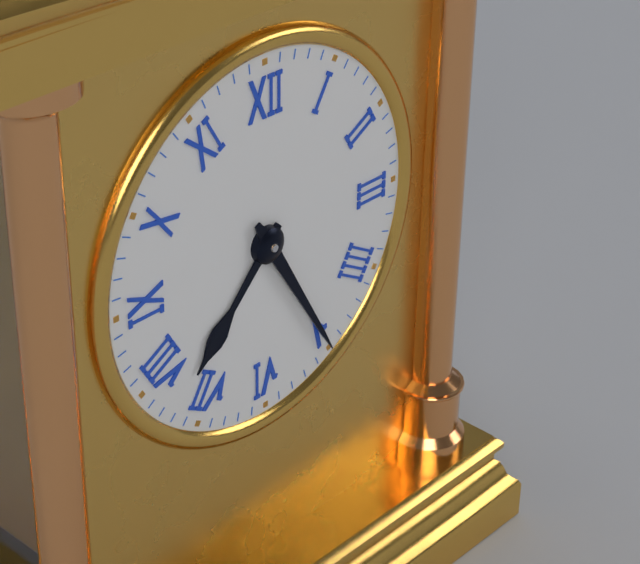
{"hour": 7, "minute": 25}
